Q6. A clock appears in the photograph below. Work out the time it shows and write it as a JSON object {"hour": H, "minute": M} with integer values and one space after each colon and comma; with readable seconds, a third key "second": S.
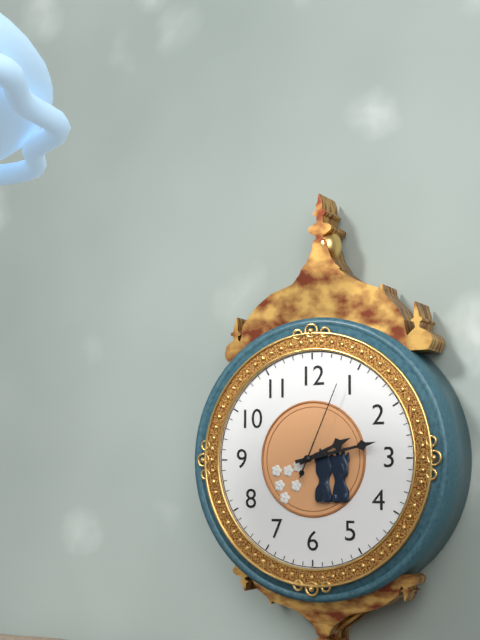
{"hour": 2, "minute": 13, "second": 4}
